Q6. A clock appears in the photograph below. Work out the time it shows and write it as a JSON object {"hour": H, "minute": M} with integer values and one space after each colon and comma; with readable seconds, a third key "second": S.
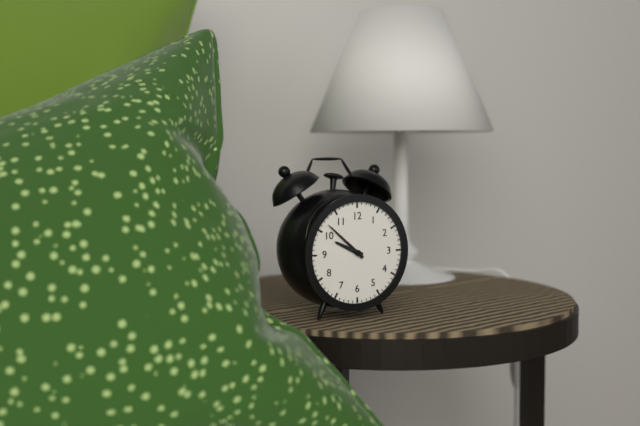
{"hour": 9, "minute": 52}
